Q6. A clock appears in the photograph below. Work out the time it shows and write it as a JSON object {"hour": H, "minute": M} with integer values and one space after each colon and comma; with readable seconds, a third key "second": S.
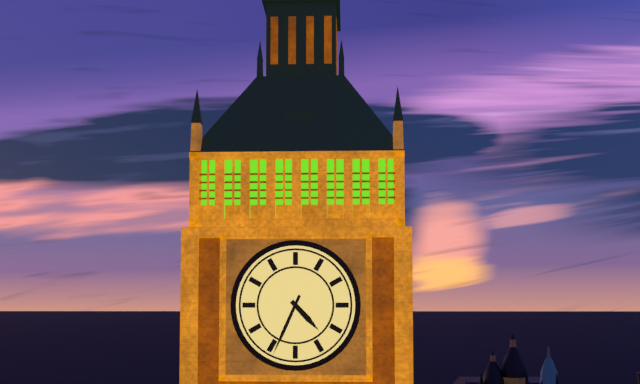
{"hour": 4, "minute": 34}
